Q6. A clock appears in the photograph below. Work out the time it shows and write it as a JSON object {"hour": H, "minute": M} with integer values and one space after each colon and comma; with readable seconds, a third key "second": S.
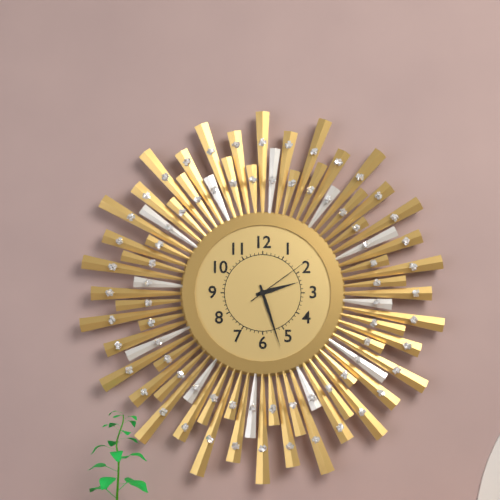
{"hour": 2, "minute": 27, "second": 9}
